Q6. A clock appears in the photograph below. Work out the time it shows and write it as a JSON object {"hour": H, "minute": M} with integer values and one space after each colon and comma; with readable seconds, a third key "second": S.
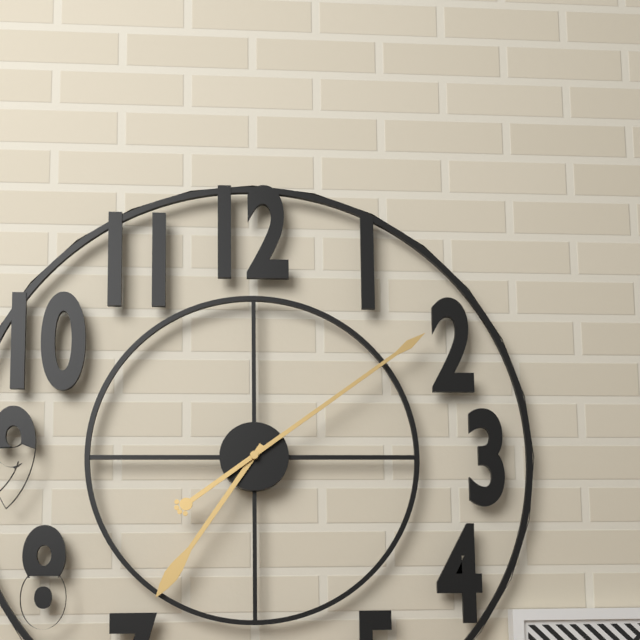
{"hour": 7, "minute": 9}
